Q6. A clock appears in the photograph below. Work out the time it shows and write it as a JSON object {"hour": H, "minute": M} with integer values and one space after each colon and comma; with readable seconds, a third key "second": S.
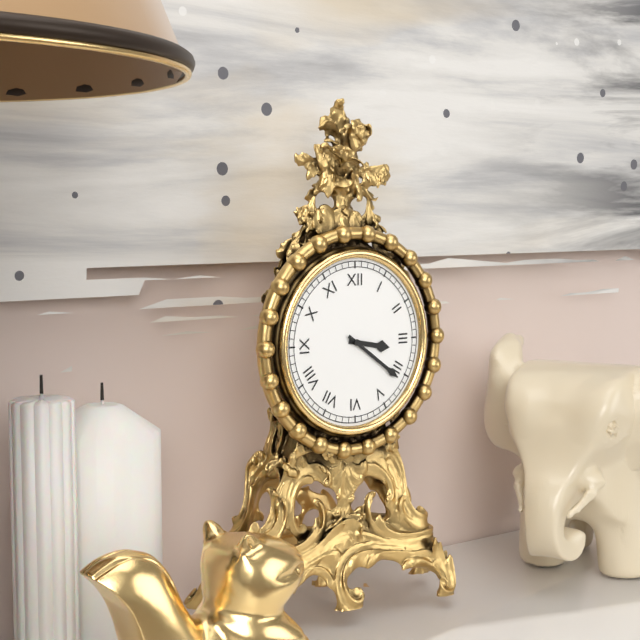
{"hour": 3, "minute": 21}
